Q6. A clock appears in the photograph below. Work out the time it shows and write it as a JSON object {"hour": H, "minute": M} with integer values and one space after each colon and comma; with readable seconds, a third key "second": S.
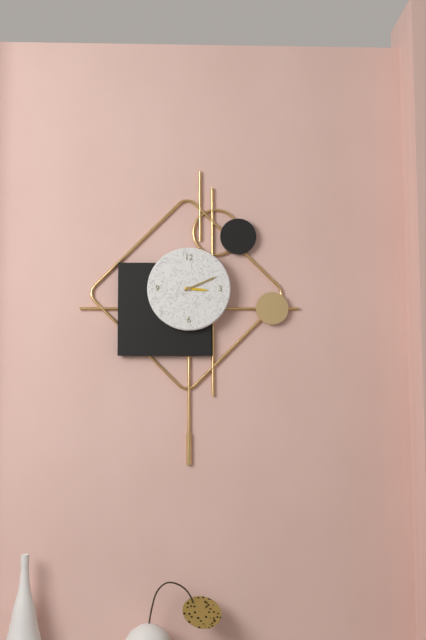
{"hour": 3, "minute": 11}
